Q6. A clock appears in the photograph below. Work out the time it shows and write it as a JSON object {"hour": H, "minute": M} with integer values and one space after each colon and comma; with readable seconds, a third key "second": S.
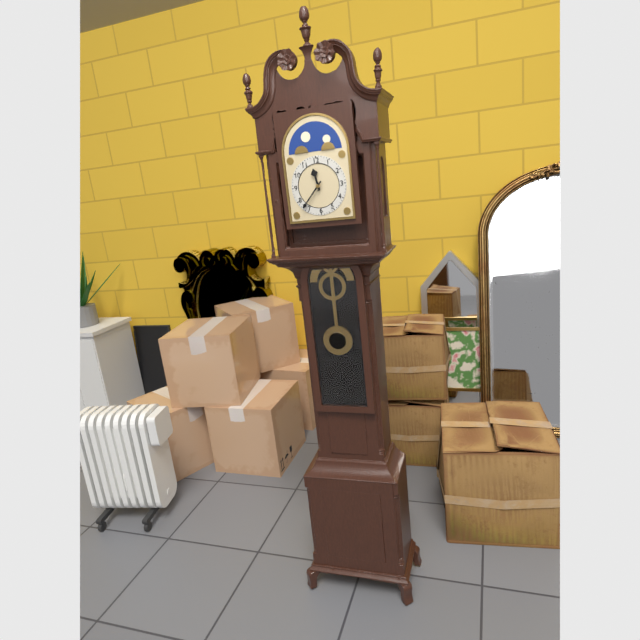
{"hour": 11, "minute": 37}
